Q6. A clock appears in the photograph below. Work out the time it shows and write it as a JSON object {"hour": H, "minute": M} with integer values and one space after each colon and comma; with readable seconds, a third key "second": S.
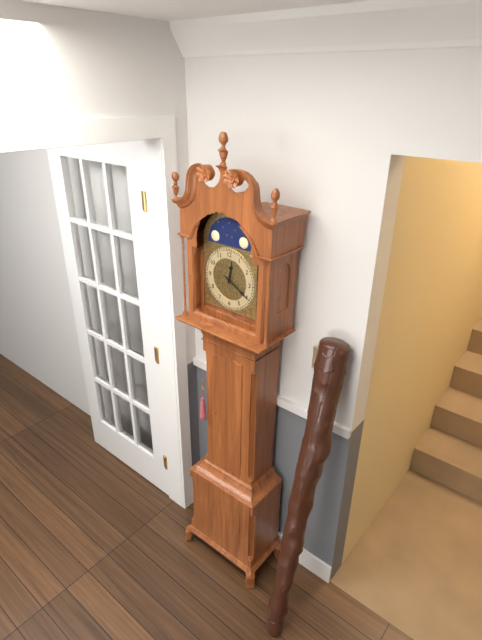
{"hour": 12, "minute": 20}
